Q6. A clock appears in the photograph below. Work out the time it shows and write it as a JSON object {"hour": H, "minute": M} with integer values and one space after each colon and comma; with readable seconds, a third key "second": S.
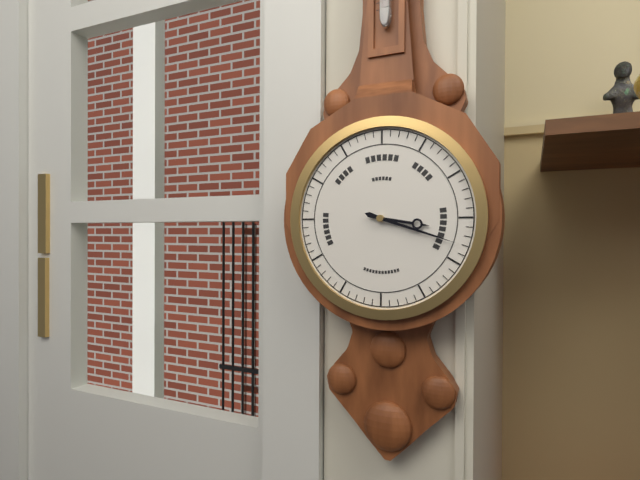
{"hour": 3, "minute": 18}
